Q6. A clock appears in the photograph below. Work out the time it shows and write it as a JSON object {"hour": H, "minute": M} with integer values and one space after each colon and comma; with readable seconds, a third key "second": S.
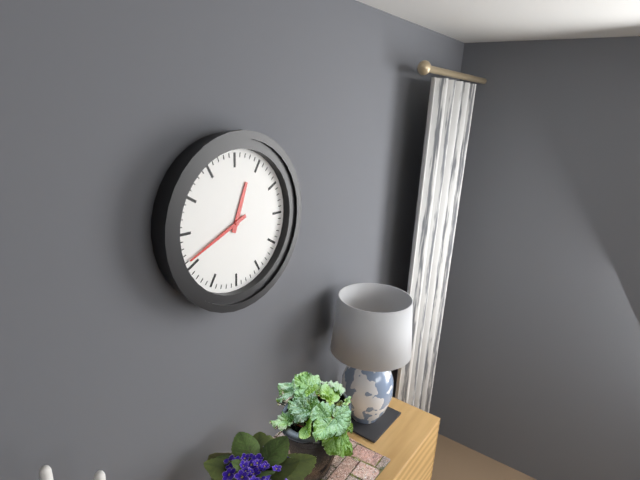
{"hour": 12, "minute": 41}
